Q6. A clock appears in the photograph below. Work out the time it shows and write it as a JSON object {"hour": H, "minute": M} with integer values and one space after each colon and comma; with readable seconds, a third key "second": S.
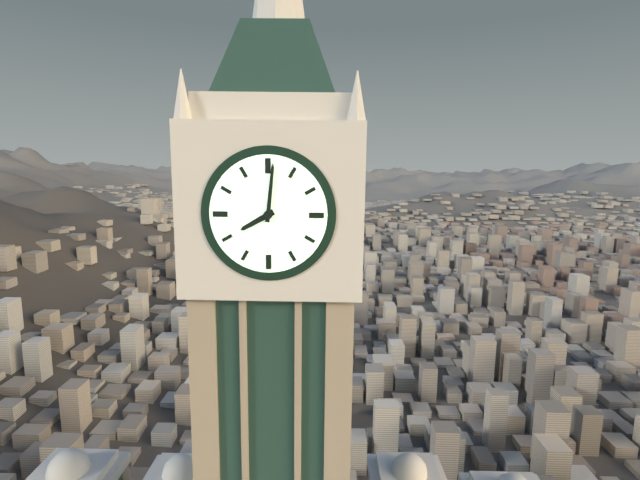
{"hour": 8, "minute": 1}
